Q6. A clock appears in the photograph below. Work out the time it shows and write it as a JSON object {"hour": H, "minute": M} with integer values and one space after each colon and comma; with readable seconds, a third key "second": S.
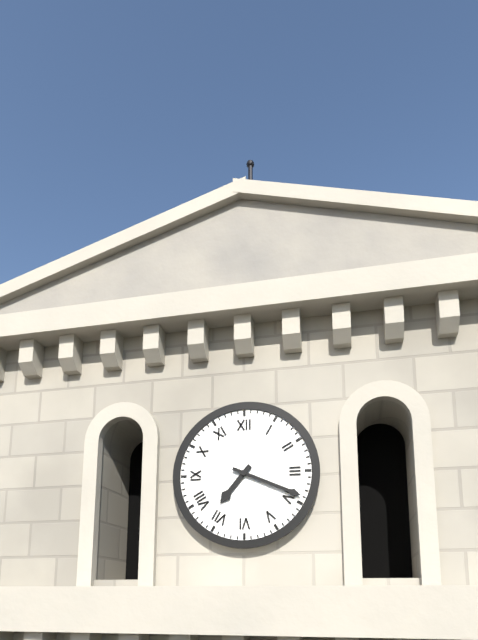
{"hour": 7, "minute": 19}
